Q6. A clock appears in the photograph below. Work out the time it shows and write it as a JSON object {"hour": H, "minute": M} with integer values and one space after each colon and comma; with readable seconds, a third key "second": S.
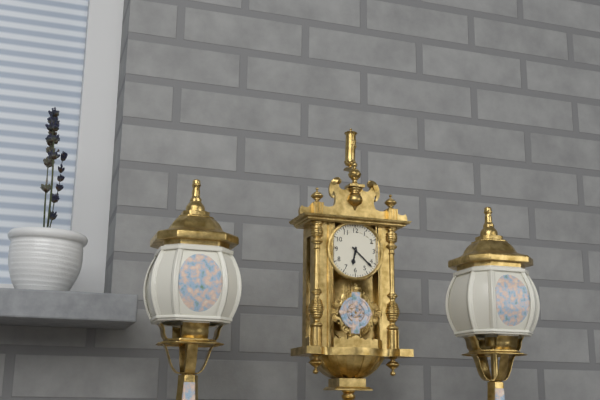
{"hour": 6, "minute": 22}
